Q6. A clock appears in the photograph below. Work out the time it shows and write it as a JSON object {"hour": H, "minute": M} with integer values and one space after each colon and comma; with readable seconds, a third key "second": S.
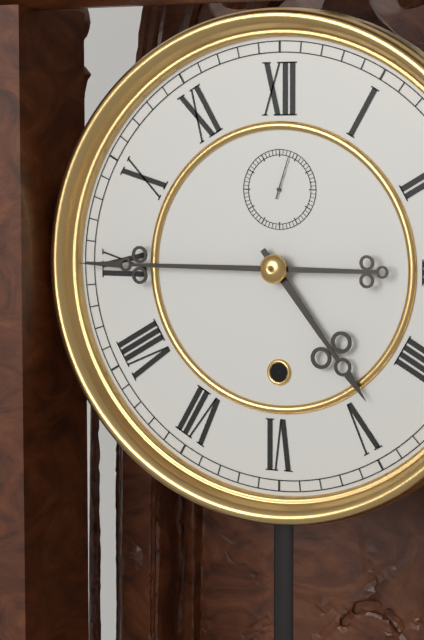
{"hour": 4, "minute": 45}
